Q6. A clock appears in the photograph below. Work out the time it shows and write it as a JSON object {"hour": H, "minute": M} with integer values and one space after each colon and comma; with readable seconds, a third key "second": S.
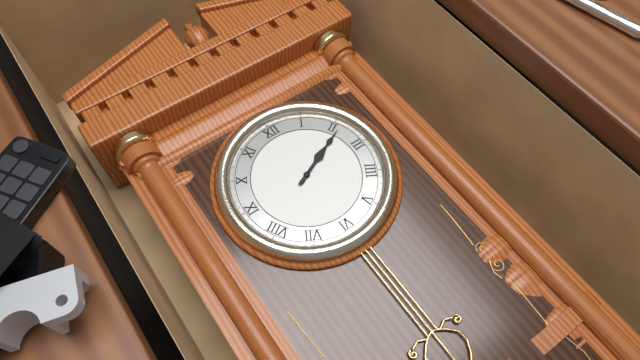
{"hour": 2, "minute": 11}
